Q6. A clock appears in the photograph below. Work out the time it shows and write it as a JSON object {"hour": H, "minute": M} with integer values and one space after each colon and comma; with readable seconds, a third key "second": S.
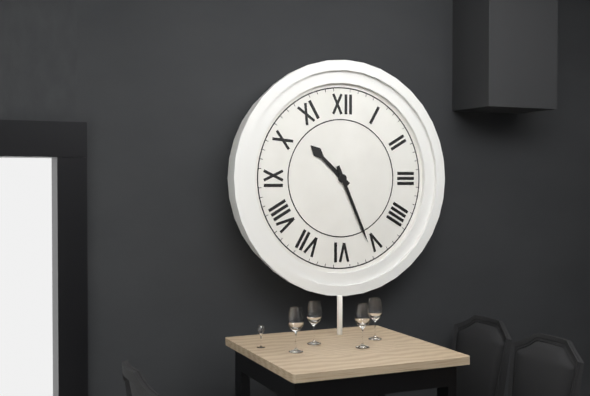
{"hour": 10, "minute": 26}
